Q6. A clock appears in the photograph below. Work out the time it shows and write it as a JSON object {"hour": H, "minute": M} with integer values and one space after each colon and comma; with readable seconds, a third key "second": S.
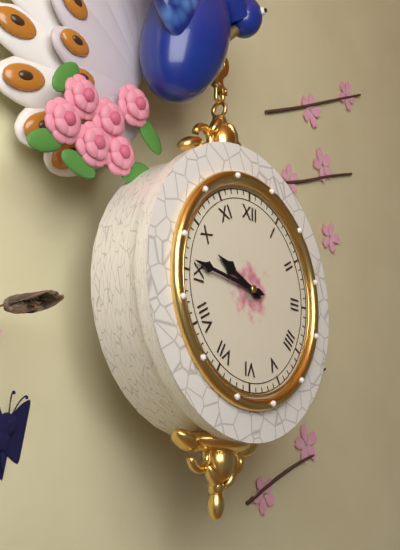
{"hour": 9, "minute": 46}
